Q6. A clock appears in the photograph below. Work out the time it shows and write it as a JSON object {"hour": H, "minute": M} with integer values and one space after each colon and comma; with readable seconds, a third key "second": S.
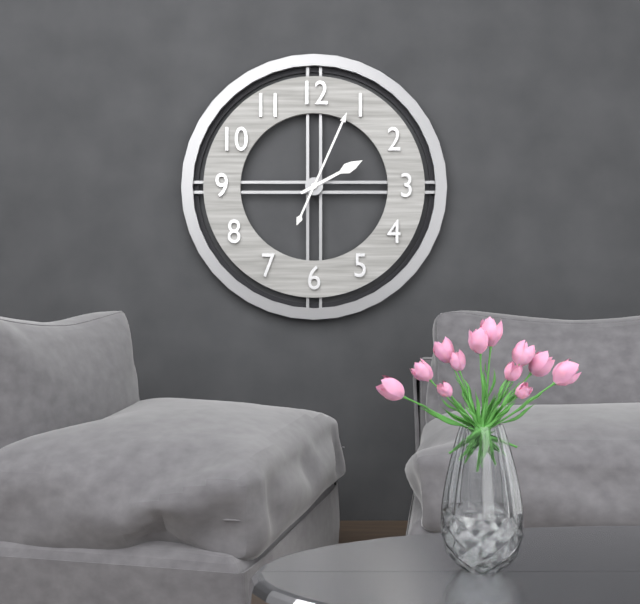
{"hour": 2, "minute": 4}
